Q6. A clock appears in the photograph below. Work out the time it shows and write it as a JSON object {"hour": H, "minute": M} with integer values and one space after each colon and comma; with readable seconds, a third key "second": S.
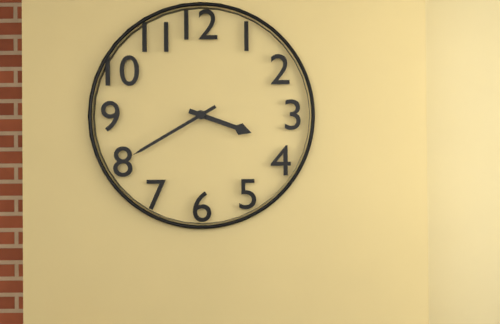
{"hour": 3, "minute": 40}
